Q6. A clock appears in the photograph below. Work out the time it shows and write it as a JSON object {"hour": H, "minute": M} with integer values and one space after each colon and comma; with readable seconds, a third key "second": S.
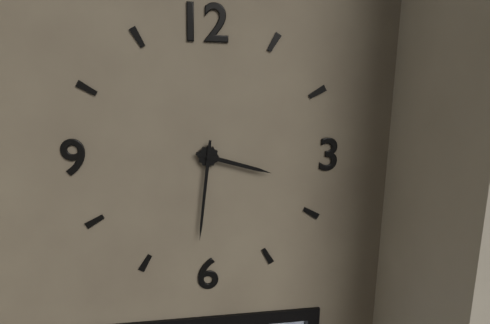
{"hour": 3, "minute": 31}
